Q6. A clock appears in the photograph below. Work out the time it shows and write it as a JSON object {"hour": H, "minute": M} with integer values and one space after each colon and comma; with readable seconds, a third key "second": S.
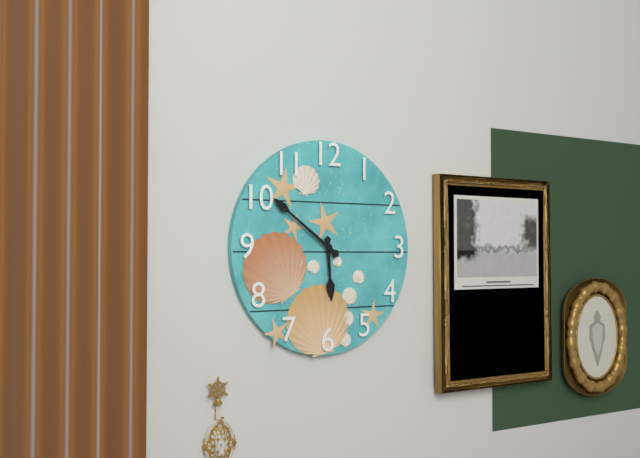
{"hour": 5, "minute": 51}
